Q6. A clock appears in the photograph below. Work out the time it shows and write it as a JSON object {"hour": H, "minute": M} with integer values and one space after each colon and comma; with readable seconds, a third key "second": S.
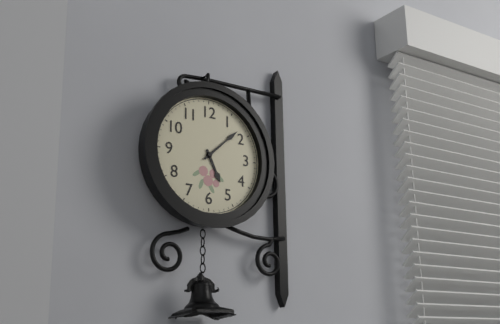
{"hour": 5, "minute": 8}
